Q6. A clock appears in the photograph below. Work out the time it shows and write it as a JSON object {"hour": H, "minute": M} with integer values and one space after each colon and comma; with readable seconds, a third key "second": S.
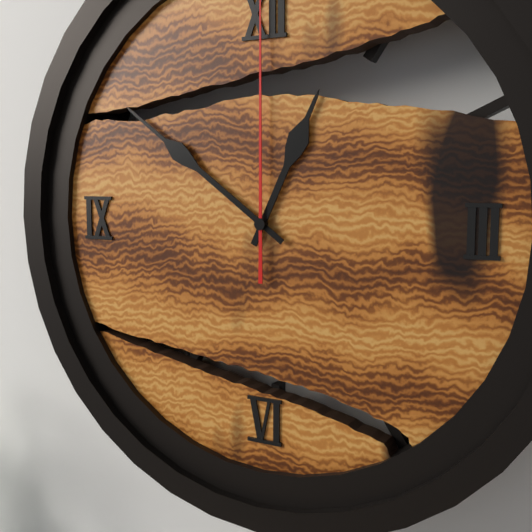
{"hour": 12, "minute": 51}
